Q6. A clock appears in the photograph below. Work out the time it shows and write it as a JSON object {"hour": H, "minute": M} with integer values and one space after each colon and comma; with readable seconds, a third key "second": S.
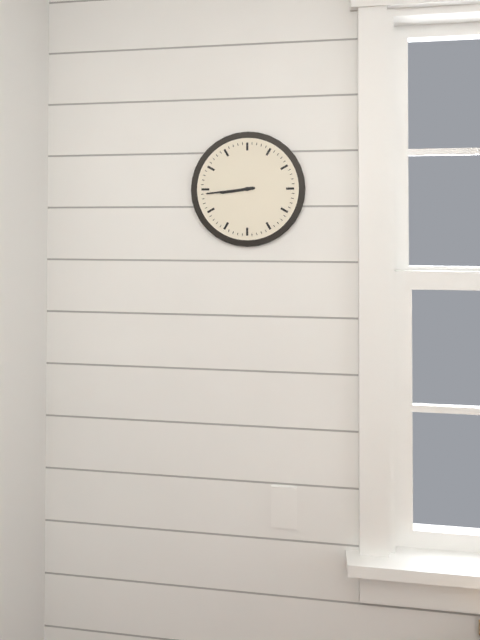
{"hour": 8, "minute": 44}
